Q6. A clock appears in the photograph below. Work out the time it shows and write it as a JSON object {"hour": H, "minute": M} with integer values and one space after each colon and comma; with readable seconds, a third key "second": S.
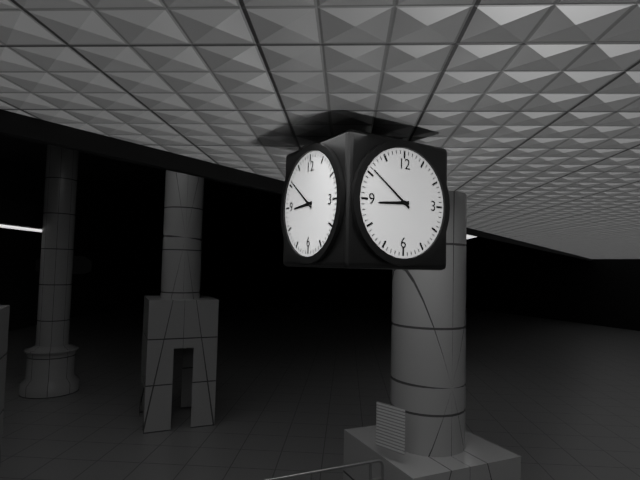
{"hour": 8, "minute": 51}
